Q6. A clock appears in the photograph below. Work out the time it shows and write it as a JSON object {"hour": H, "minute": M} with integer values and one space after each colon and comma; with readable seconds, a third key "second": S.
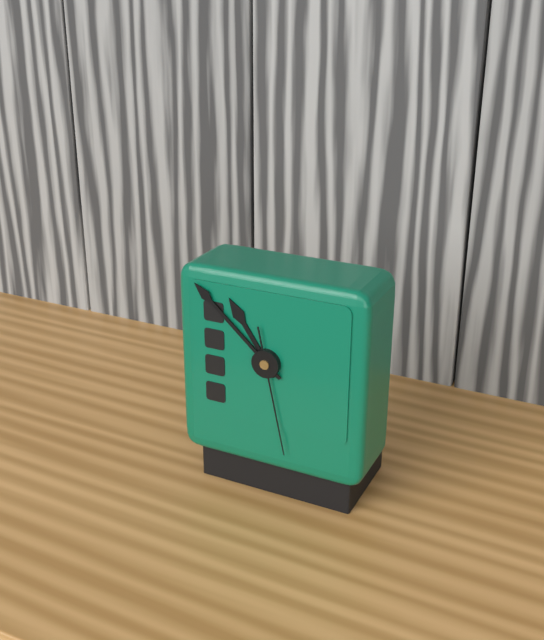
{"hour": 10, "minute": 52, "second": 28}
